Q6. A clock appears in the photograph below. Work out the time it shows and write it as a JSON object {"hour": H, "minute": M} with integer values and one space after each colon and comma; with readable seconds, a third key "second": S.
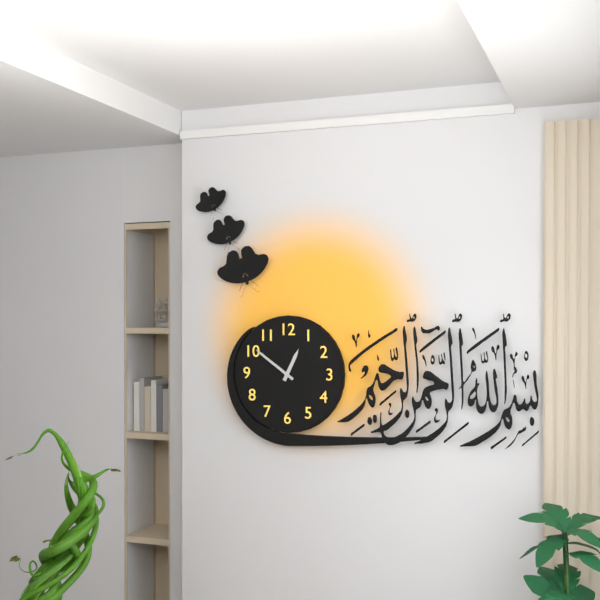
{"hour": 12, "minute": 51}
